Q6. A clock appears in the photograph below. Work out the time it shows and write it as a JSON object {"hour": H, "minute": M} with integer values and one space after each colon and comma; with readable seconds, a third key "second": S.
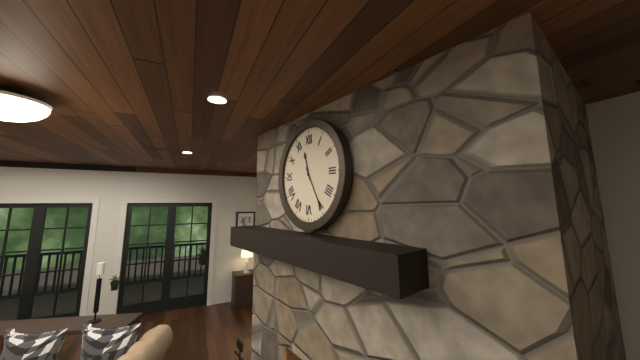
{"hour": 11, "minute": 25}
